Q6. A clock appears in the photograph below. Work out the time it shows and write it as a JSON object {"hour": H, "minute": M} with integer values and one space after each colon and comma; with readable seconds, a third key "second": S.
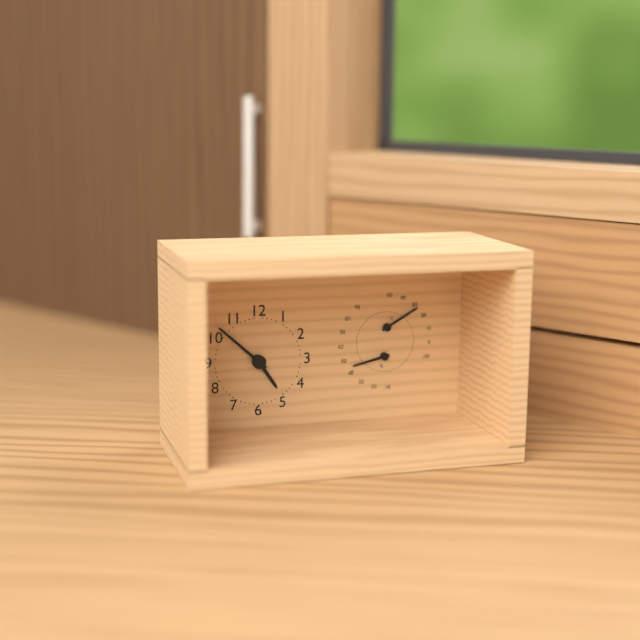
{"hour": 4, "minute": 52}
